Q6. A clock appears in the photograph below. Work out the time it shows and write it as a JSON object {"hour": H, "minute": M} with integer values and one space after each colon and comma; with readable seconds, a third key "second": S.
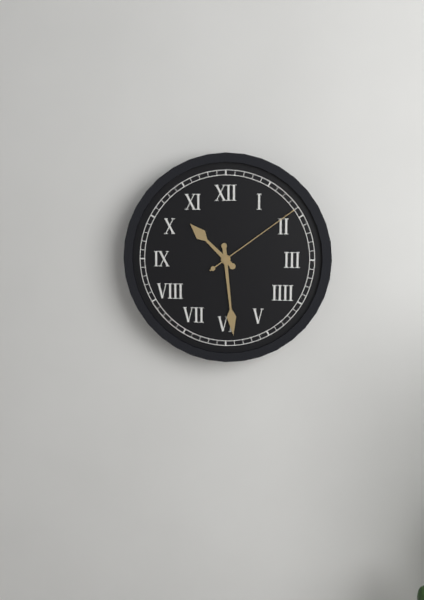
{"hour": 10, "minute": 29, "second": 9}
